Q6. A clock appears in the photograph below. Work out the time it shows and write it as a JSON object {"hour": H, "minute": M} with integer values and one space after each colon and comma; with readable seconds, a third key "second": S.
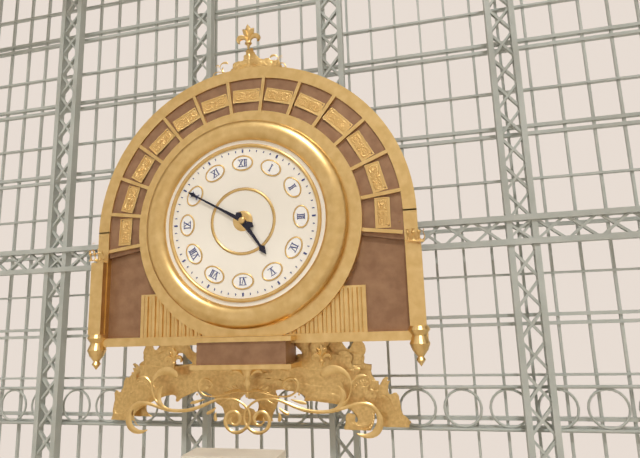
{"hour": 4, "minute": 50}
